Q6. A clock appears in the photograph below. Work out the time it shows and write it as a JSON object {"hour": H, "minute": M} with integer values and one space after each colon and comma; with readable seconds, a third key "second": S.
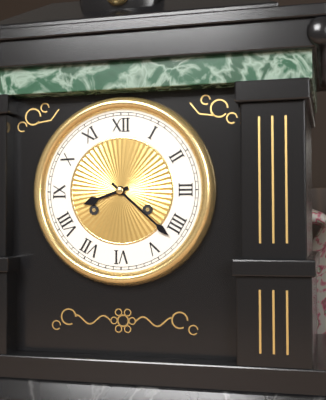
{"hour": 8, "minute": 22}
